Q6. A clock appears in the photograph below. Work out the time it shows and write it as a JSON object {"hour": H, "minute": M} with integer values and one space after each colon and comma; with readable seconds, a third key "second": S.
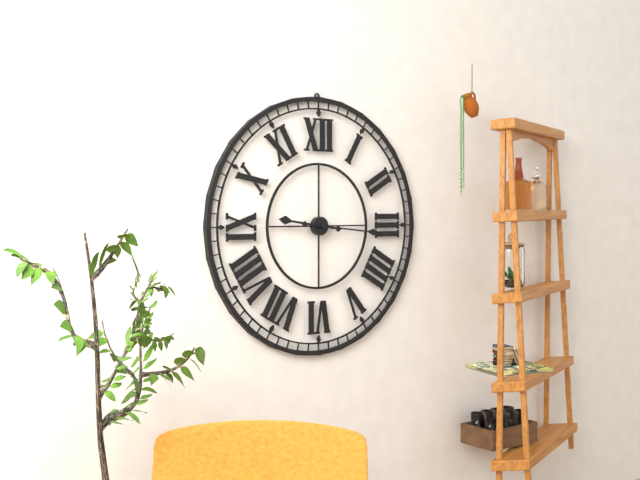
{"hour": 9, "minute": 16}
